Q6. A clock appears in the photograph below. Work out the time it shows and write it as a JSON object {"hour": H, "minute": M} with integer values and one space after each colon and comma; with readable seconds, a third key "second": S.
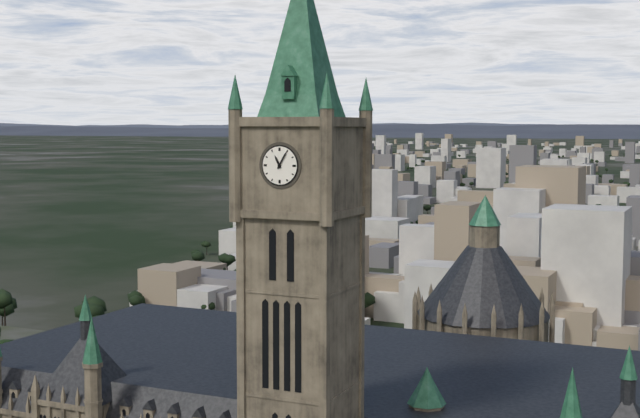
{"hour": 11, "minute": 5}
